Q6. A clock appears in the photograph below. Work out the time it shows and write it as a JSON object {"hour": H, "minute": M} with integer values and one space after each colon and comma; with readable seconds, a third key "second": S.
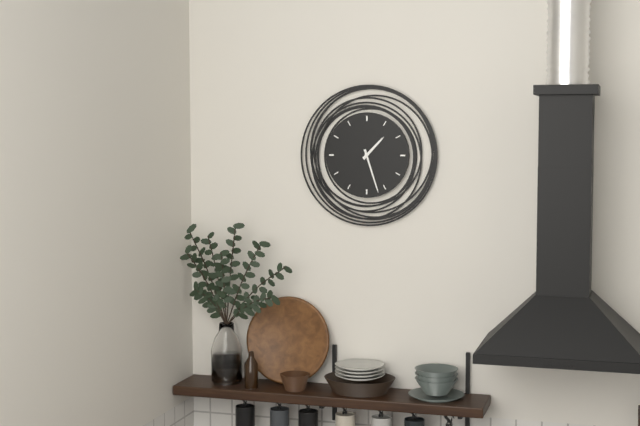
{"hour": 1, "minute": 27}
